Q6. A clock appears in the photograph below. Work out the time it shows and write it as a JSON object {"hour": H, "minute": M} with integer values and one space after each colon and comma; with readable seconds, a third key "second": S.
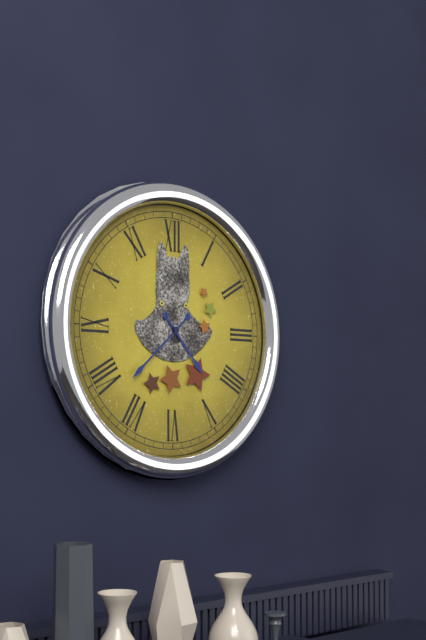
{"hour": 4, "minute": 38}
